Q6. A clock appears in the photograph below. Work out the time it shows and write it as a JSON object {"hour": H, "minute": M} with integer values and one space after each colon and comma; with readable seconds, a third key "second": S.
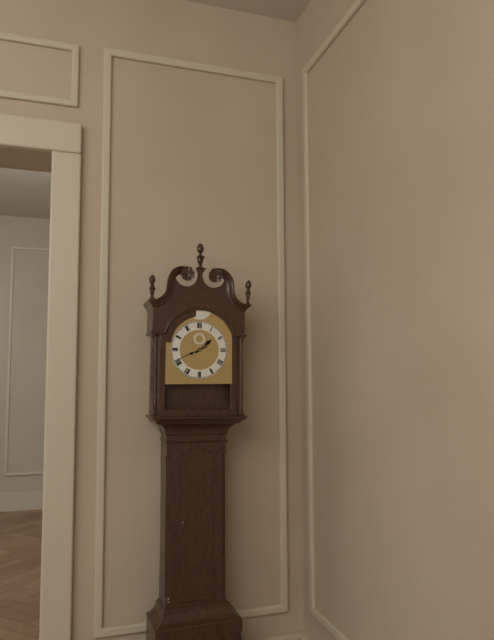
{"hour": 1, "minute": 41}
